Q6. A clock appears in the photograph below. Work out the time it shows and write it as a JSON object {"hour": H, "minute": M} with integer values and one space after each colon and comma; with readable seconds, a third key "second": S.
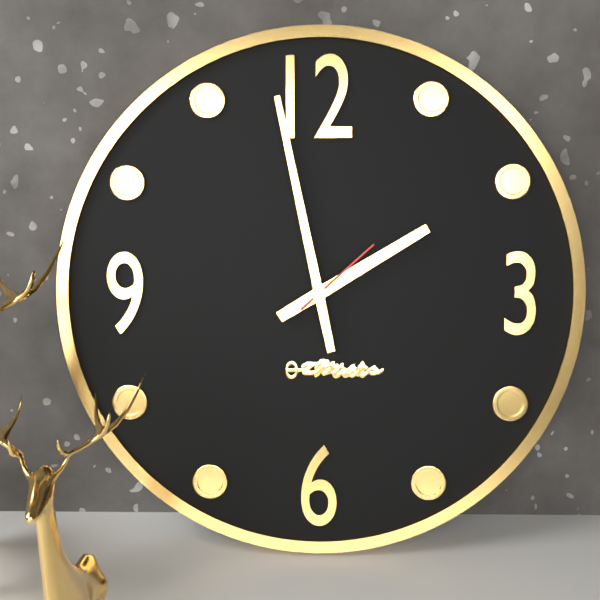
{"hour": 1, "minute": 58, "second": 8}
